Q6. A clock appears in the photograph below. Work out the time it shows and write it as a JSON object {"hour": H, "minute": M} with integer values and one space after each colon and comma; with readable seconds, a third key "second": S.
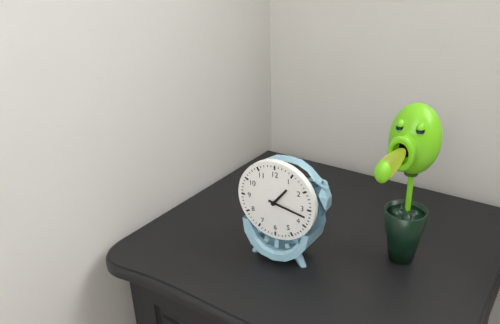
{"hour": 1, "minute": 17}
